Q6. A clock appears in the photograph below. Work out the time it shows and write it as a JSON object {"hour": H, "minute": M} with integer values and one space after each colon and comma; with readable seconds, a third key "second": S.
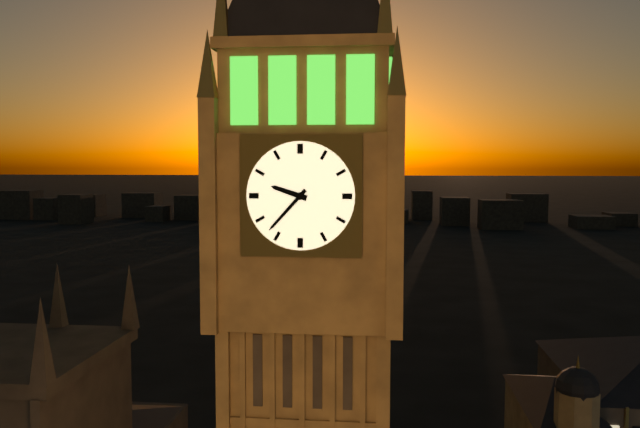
{"hour": 9, "minute": 37}
